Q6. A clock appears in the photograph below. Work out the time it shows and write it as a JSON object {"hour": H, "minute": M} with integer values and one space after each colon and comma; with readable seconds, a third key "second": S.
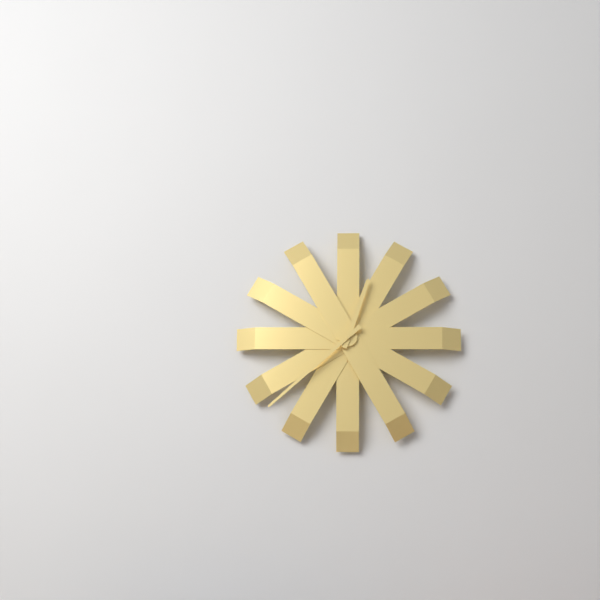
{"hour": 12, "minute": 38}
